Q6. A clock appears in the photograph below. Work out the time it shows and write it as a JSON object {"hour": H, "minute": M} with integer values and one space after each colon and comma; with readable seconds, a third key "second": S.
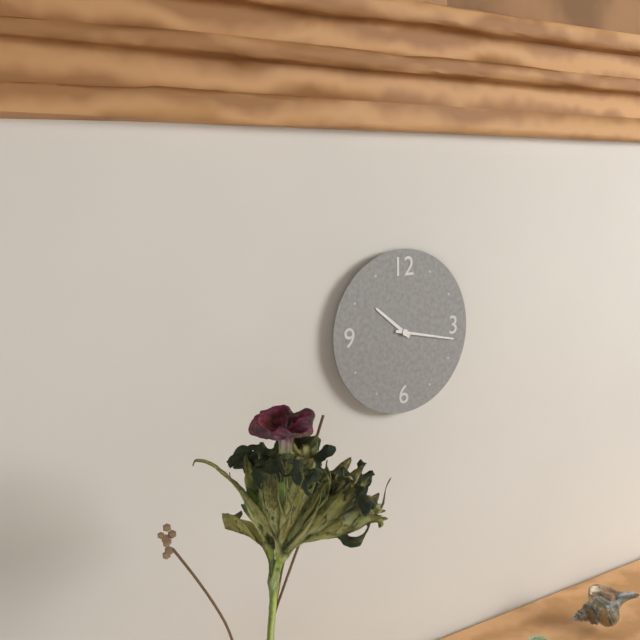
{"hour": 10, "minute": 17}
